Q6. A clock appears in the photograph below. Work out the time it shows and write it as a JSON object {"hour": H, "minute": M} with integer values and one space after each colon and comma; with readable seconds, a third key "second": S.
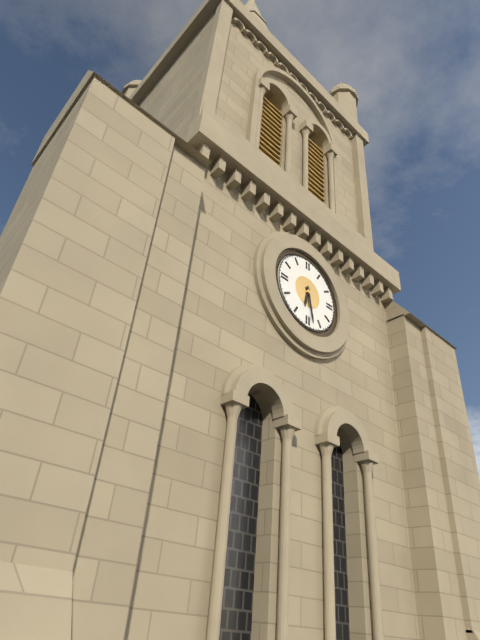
{"hour": 6, "minute": 28}
